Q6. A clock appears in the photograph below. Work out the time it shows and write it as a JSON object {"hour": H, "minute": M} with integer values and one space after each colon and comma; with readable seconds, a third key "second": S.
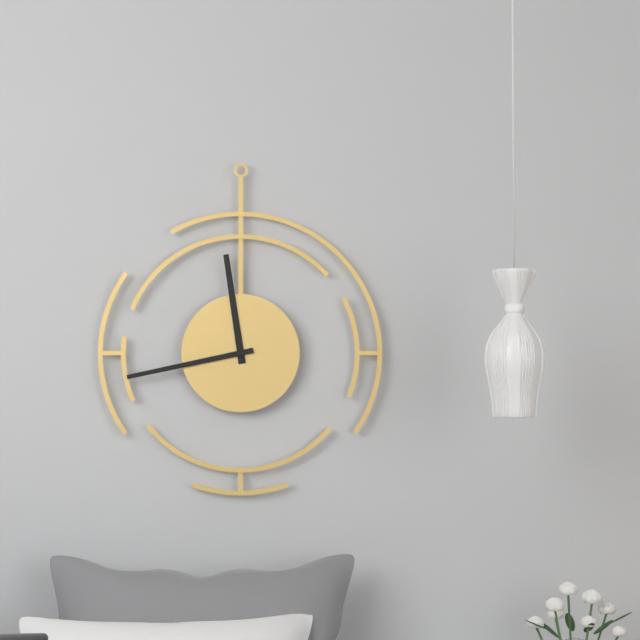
{"hour": 11, "minute": 43}
